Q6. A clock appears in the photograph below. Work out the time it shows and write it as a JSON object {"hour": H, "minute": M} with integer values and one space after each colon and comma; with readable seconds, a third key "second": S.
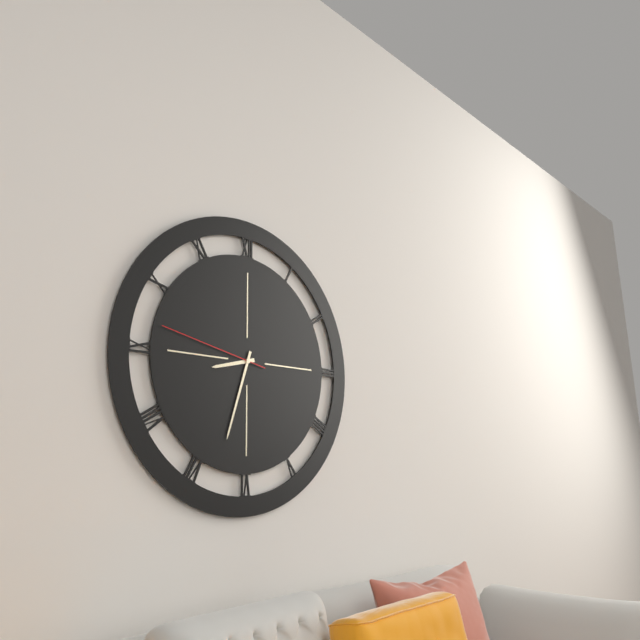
{"hour": 8, "minute": 33, "second": 47}
